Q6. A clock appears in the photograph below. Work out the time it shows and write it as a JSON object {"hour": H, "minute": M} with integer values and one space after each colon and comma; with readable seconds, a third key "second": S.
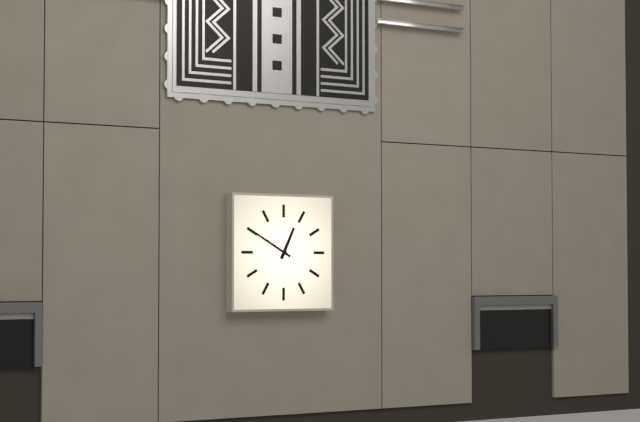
{"hour": 12, "minute": 50}
